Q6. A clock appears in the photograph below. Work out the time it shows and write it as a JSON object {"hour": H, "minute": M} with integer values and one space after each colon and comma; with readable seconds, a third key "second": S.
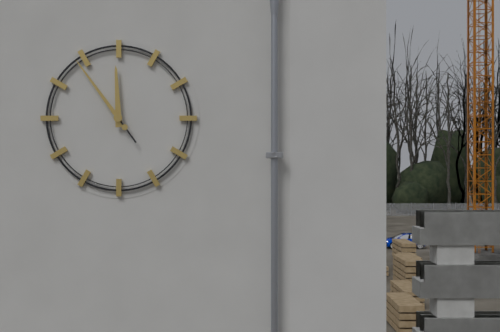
{"hour": 11, "minute": 54}
